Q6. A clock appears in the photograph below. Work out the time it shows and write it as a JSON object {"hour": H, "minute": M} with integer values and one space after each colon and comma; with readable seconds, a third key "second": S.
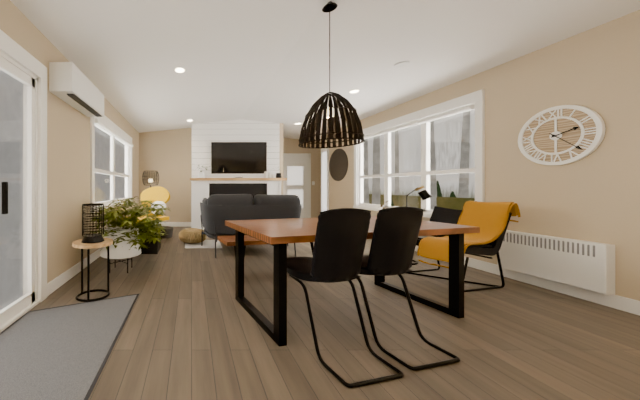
{"hour": 2, "minute": 22}
